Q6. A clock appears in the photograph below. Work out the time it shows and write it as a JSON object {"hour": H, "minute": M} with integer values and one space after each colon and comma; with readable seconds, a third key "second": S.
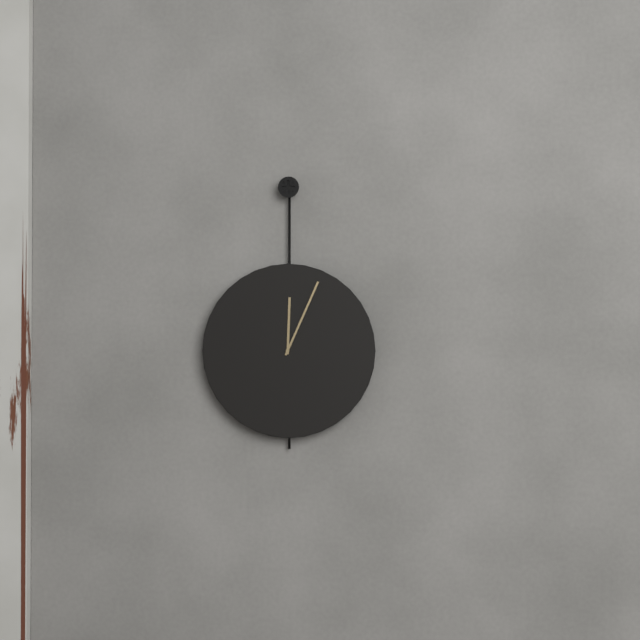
{"hour": 12, "minute": 4}
